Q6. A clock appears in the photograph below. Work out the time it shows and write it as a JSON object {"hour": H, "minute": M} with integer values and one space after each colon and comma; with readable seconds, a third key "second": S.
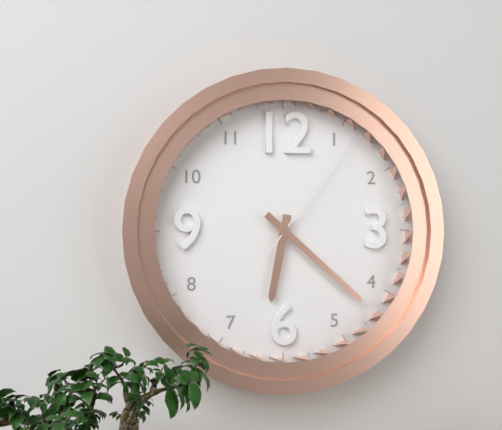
{"hour": 6, "minute": 22, "second": 6}
